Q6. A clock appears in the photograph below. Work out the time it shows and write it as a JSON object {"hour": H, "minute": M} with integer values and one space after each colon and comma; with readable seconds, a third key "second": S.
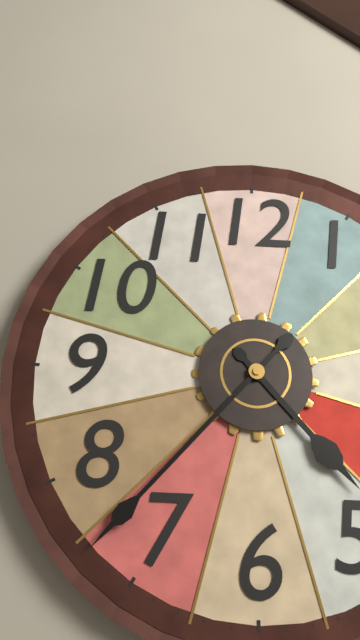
{"hour": 4, "minute": 37}
